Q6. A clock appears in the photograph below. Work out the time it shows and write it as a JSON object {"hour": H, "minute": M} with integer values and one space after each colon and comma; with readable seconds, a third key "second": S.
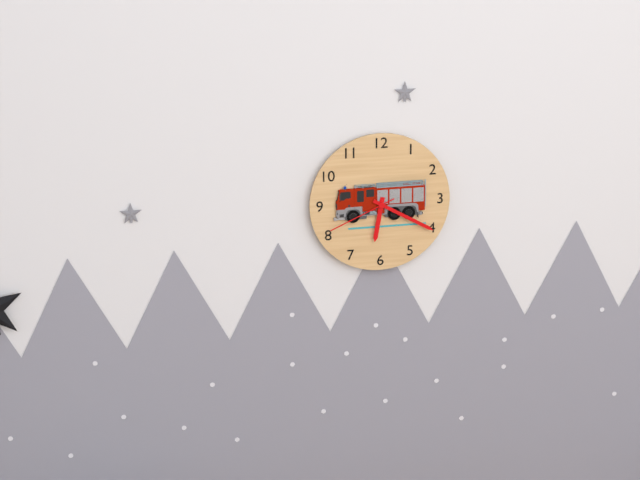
{"hour": 6, "minute": 20, "second": 41}
